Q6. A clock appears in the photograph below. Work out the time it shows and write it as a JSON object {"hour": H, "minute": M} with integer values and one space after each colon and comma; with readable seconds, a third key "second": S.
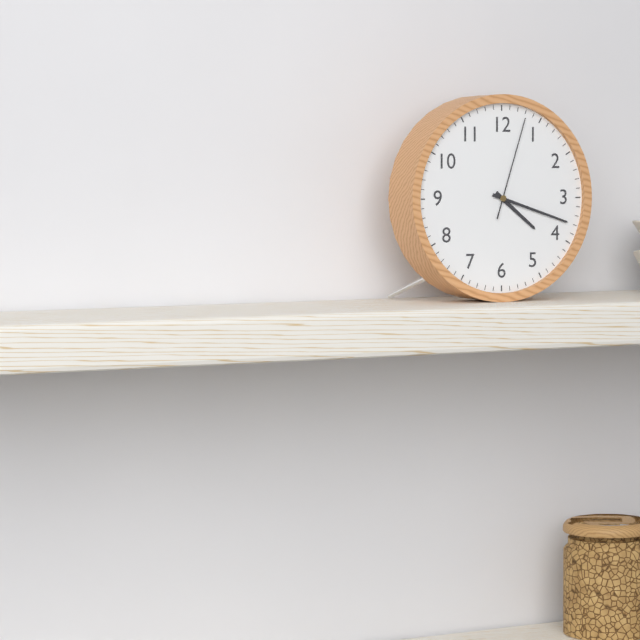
{"hour": 4, "minute": 18, "second": 3}
